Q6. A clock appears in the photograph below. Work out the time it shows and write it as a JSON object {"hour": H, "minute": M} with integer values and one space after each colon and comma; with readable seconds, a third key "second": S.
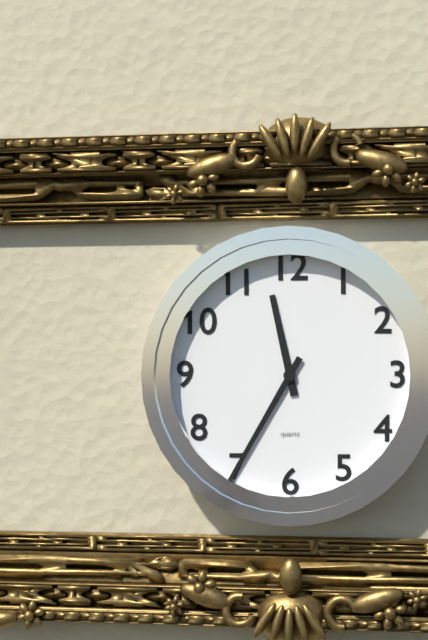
{"hour": 11, "minute": 35}
